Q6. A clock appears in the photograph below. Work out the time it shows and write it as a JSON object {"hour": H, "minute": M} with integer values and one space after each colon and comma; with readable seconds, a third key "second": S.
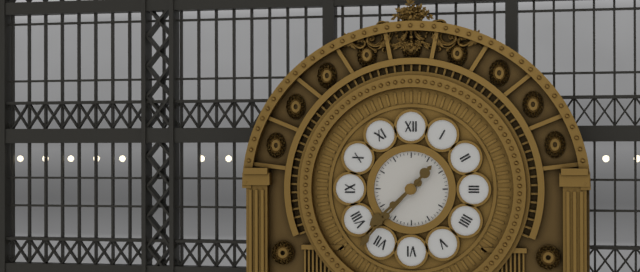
{"hour": 7, "minute": 37}
